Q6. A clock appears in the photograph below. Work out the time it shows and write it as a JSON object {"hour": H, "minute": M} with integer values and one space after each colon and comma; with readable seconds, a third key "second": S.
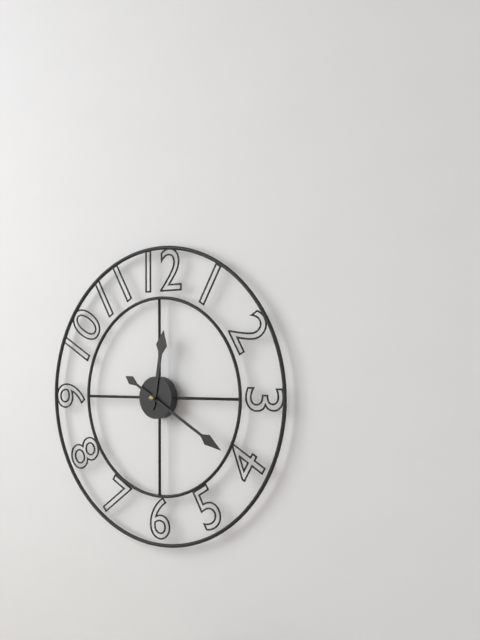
{"hour": 12, "minute": 20}
